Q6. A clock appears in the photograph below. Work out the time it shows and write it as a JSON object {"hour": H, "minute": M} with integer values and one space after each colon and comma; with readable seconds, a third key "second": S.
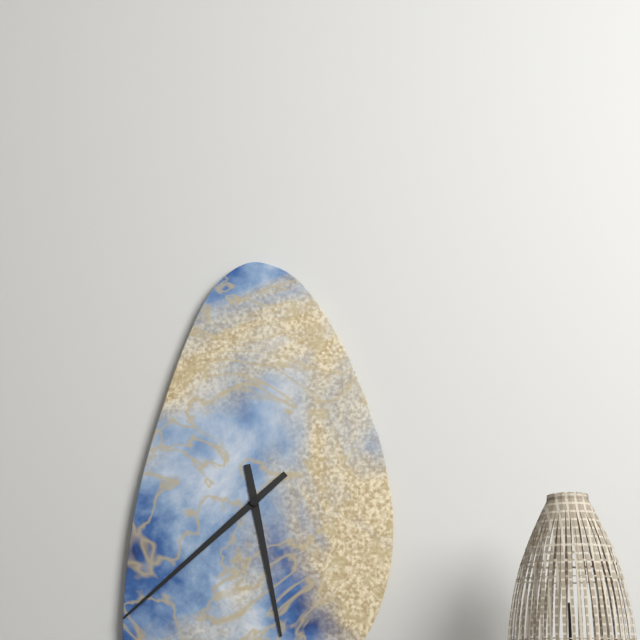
{"hour": 5, "minute": 38}
